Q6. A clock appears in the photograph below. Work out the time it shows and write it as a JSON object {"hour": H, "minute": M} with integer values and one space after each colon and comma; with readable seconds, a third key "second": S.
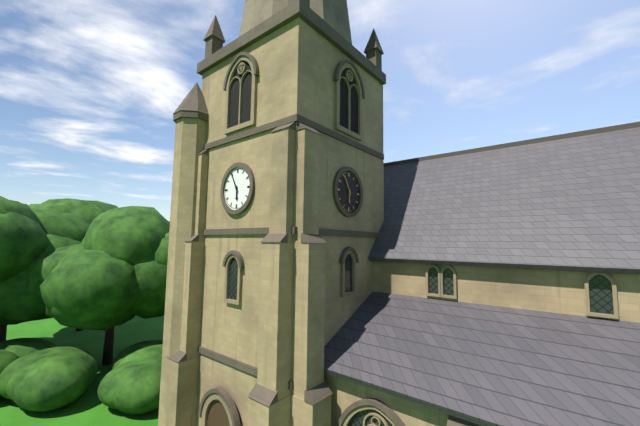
{"hour": 5, "minute": 55}
